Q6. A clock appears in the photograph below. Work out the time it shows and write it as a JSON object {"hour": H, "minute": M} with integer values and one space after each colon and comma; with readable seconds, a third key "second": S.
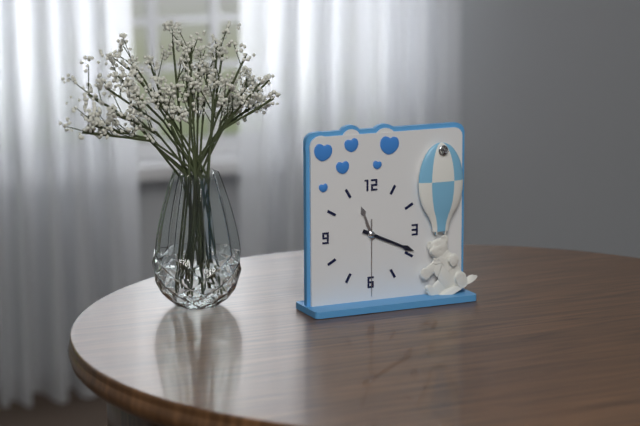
{"hour": 11, "minute": 19, "second": 30}
